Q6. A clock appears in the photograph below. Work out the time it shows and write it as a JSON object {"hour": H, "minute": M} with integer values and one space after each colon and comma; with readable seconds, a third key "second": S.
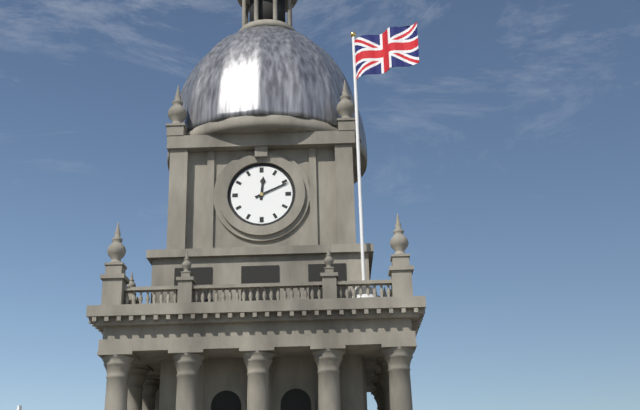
{"hour": 12, "minute": 11}
